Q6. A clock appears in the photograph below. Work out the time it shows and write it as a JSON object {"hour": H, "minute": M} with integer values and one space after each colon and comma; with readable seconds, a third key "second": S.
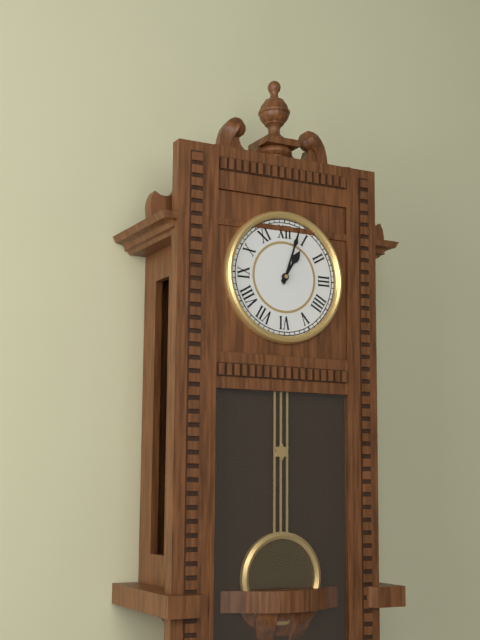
{"hour": 1, "minute": 3}
